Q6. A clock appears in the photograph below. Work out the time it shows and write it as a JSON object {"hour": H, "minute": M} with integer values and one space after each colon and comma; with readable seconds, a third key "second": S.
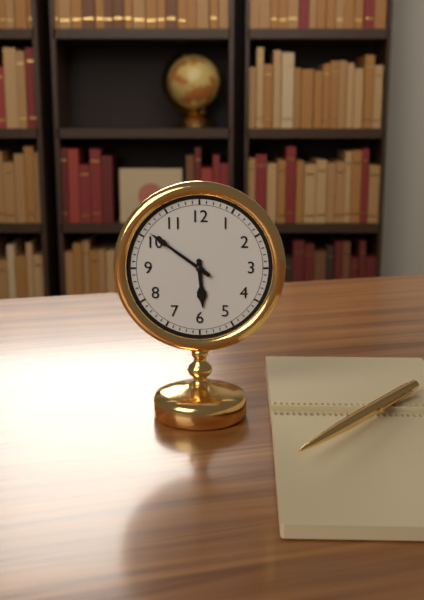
{"hour": 5, "minute": 51}
